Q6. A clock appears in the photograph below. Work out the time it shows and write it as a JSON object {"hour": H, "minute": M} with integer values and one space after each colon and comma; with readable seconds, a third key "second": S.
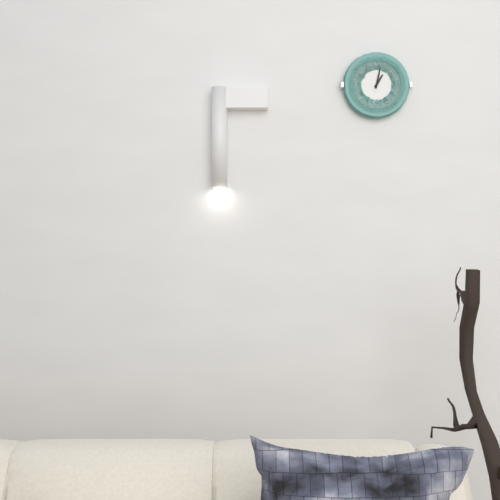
{"hour": 1, "minute": 2}
